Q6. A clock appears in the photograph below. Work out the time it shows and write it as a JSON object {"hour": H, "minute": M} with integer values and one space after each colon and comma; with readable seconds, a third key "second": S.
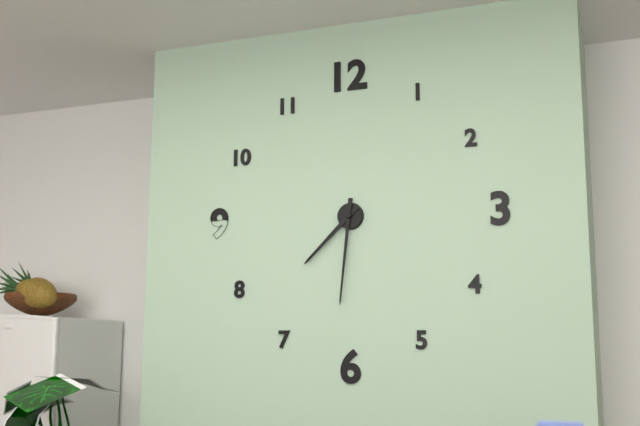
{"hour": 7, "minute": 31}
